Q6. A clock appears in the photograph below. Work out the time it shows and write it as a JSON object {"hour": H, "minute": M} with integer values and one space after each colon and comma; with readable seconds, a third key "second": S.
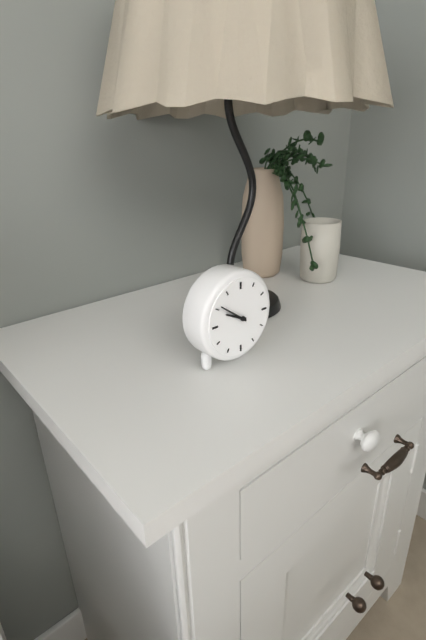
{"hour": 9, "minute": 51}
